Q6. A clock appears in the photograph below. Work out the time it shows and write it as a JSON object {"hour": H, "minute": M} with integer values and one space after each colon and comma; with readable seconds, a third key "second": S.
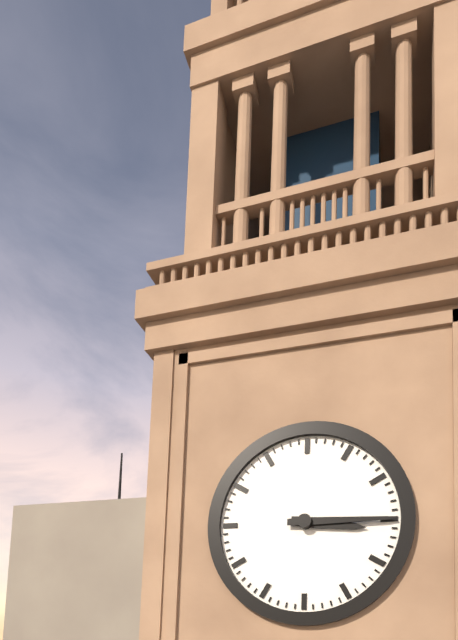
{"hour": 3, "minute": 15}
